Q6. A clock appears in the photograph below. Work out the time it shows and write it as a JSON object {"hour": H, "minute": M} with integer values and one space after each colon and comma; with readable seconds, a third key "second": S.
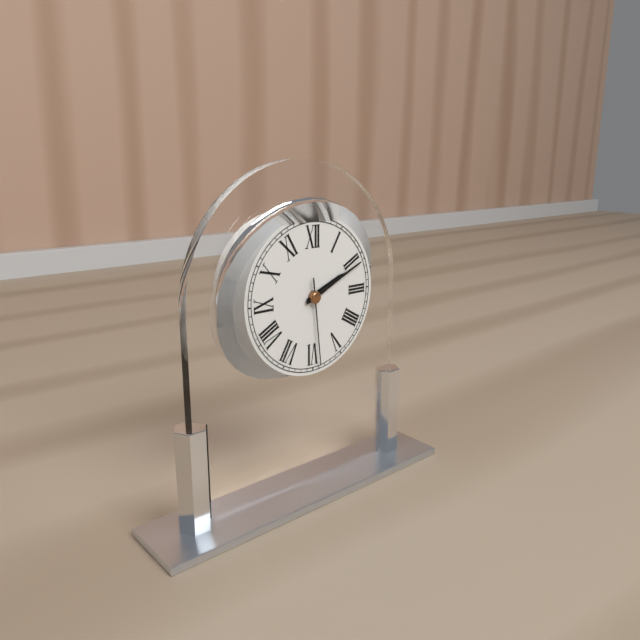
{"hour": 2, "minute": 11, "second": 29}
